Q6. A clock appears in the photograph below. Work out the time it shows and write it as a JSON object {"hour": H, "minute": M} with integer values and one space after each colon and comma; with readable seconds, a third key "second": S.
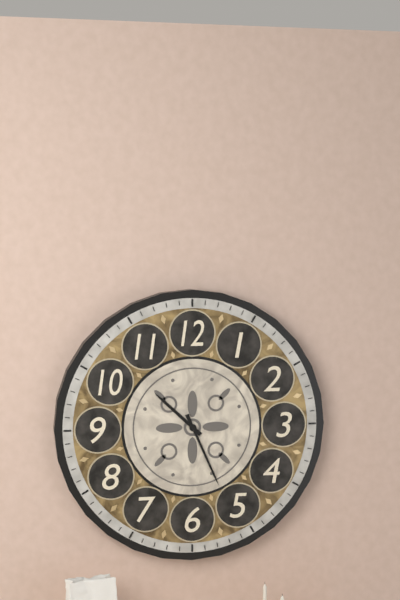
{"hour": 10, "minute": 26}
